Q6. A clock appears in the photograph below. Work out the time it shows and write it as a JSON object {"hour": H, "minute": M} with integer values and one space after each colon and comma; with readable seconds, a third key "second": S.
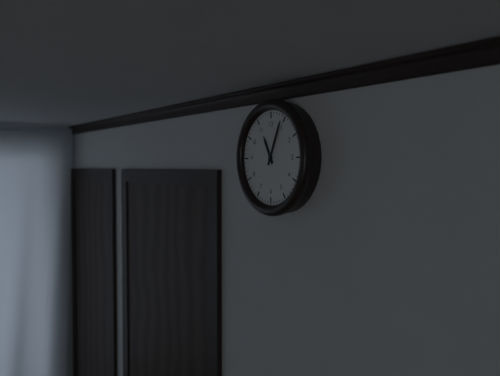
{"hour": 11, "minute": 4}
